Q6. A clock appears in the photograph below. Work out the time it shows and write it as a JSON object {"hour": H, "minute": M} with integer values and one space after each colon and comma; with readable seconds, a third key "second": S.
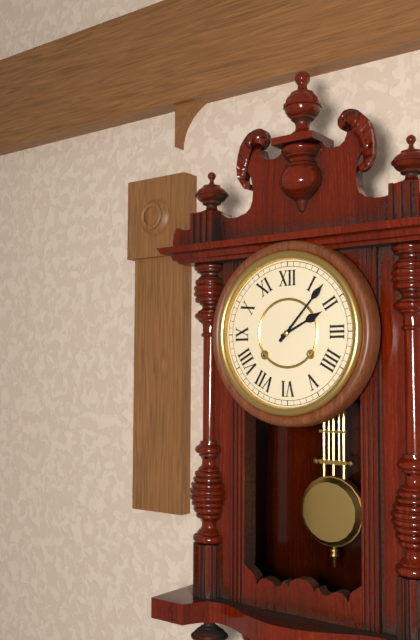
{"hour": 2, "minute": 7}
